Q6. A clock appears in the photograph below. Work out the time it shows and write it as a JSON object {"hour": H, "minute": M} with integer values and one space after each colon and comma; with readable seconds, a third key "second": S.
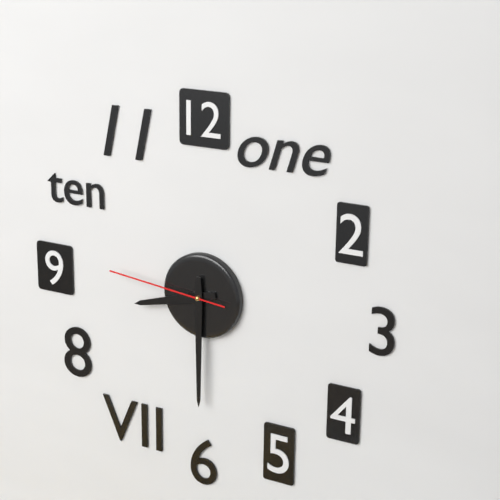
{"hour": 8, "minute": 30, "second": 46}
